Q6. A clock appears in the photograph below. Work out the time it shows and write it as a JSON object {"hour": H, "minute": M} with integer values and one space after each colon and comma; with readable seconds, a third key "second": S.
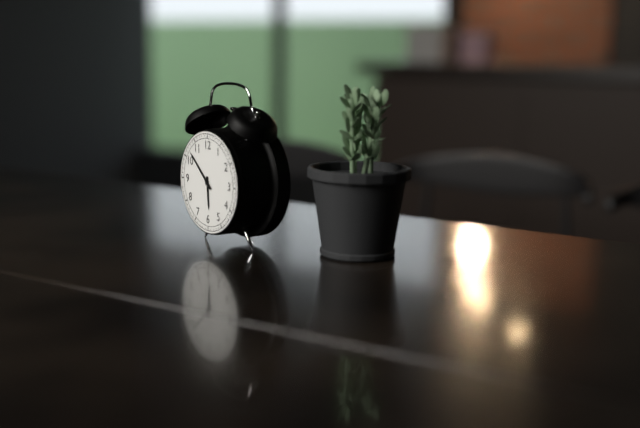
{"hour": 5, "minute": 52}
